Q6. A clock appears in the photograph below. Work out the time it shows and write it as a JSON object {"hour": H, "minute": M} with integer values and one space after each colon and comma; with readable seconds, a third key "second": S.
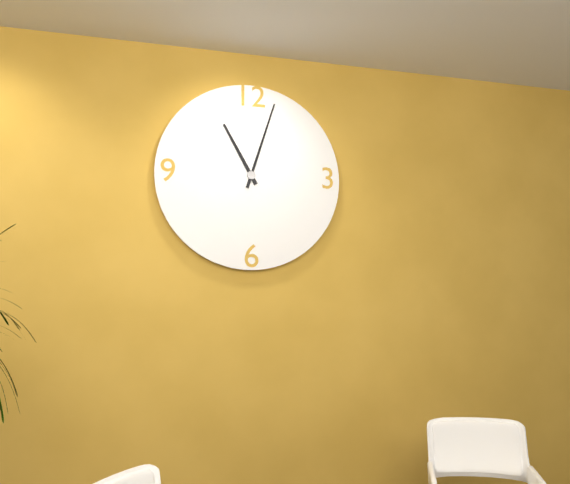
{"hour": 11, "minute": 3}
